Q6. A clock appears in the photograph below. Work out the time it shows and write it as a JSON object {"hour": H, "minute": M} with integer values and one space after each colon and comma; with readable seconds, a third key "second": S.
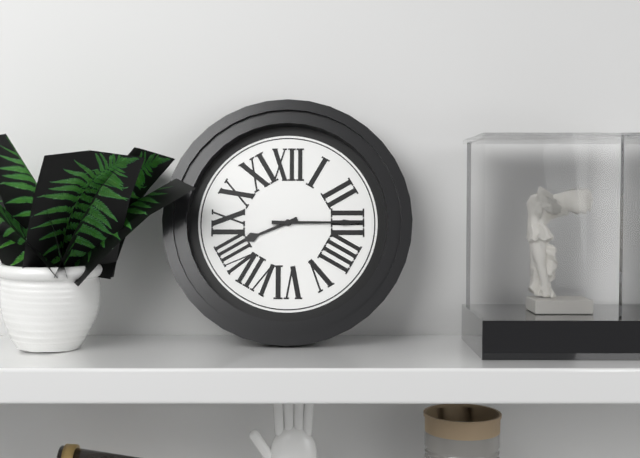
{"hour": 8, "minute": 15}
